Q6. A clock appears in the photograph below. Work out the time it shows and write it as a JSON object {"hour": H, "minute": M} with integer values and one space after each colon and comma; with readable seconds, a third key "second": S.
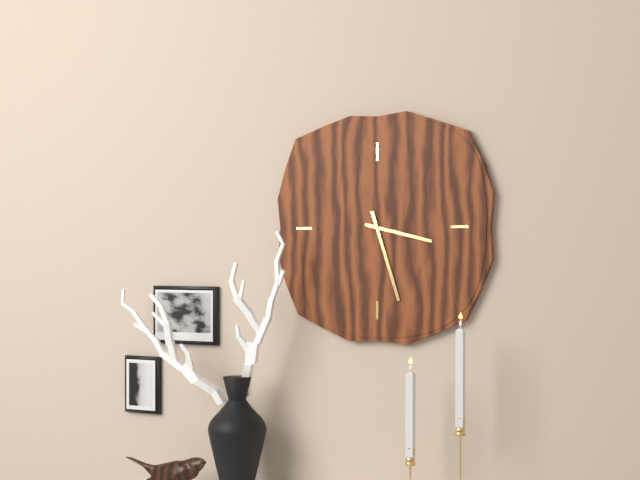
{"hour": 3, "minute": 27}
